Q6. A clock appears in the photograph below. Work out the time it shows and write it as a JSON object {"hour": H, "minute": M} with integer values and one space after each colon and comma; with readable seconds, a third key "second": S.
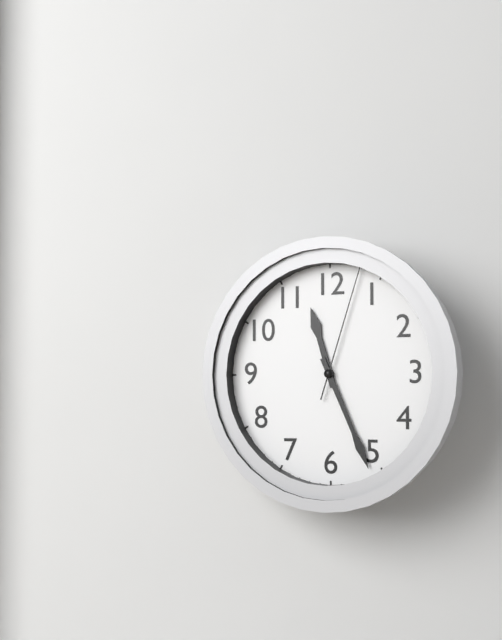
{"hour": 11, "minute": 26, "second": 3}
